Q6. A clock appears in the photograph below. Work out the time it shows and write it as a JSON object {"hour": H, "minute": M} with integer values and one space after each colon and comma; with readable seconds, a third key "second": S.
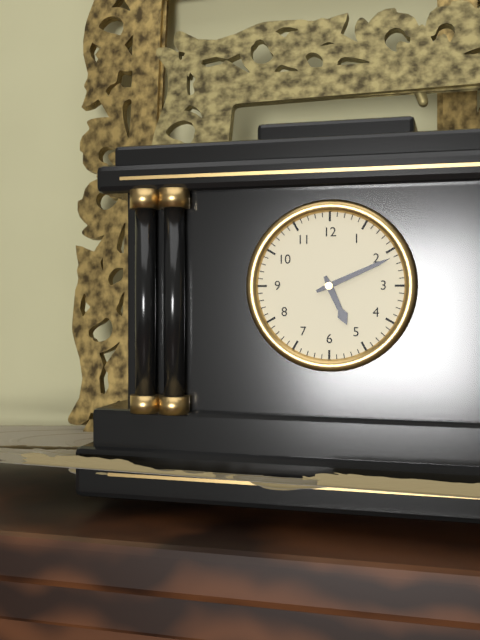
{"hour": 5, "minute": 11}
